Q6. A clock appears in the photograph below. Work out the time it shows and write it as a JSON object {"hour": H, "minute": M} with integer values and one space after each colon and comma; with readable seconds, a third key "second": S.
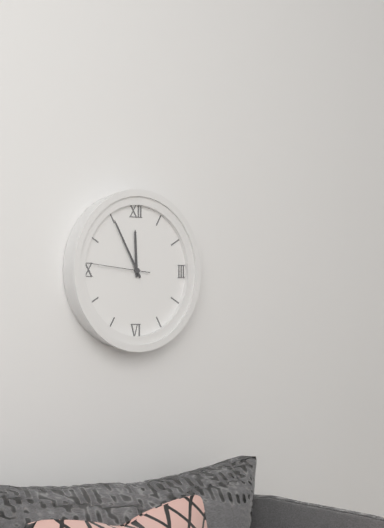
{"hour": 11, "minute": 55, "second": 46}
